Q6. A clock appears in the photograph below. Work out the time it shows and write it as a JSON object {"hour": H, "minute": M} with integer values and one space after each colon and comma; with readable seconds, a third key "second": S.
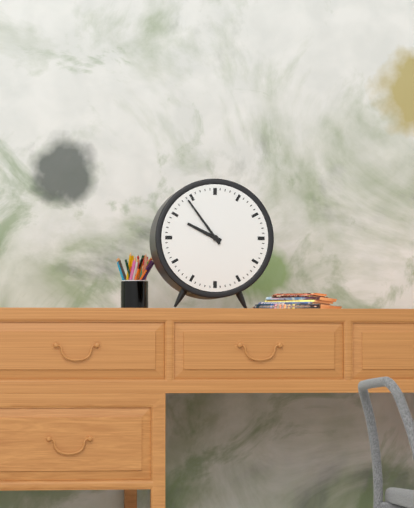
{"hour": 9, "minute": 54}
